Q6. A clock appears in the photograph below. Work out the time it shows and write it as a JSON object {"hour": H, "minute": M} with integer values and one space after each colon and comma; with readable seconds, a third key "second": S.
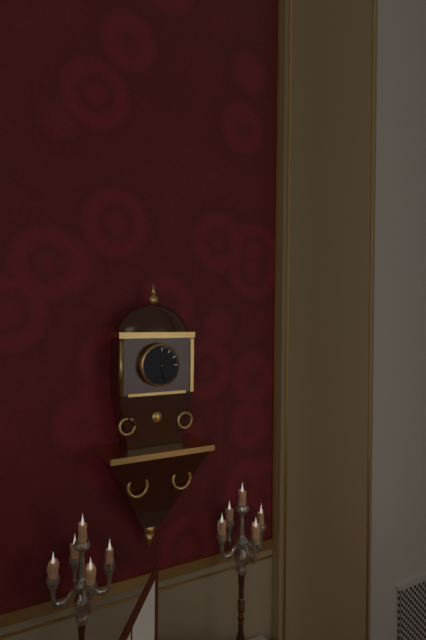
{"hour": 1, "minute": 28}
